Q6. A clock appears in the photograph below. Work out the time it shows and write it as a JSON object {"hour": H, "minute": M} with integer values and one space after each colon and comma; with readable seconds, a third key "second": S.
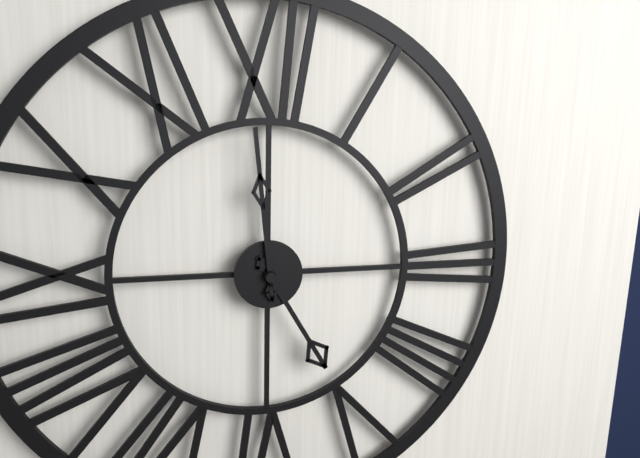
{"hour": 4, "minute": 59}
